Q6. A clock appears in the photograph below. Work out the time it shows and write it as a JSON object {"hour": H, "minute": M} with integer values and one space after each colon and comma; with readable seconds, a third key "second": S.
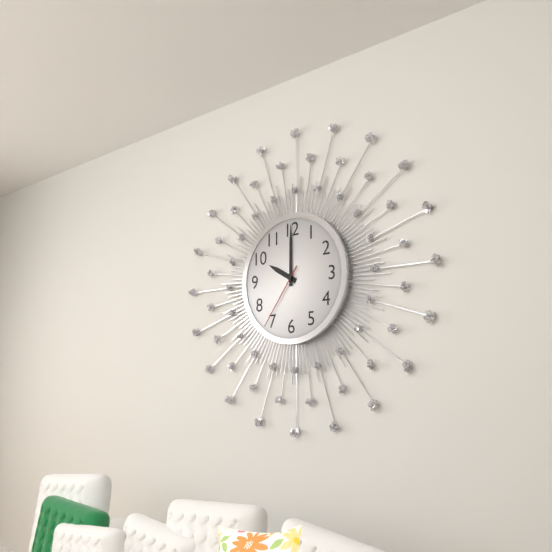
{"hour": 10, "minute": 0, "second": 36}
